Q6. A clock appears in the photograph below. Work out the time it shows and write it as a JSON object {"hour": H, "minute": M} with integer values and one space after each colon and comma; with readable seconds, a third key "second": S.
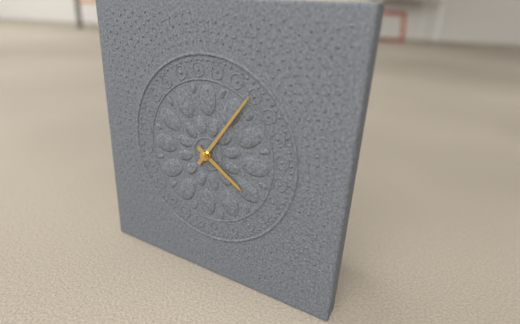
{"hour": 4, "minute": 6}
